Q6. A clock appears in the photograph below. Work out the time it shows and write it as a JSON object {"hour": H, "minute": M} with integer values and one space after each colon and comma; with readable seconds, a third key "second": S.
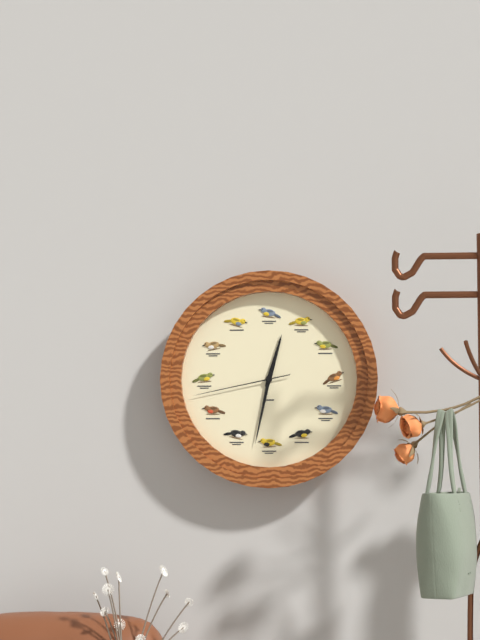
{"hour": 12, "minute": 32, "second": 43}
